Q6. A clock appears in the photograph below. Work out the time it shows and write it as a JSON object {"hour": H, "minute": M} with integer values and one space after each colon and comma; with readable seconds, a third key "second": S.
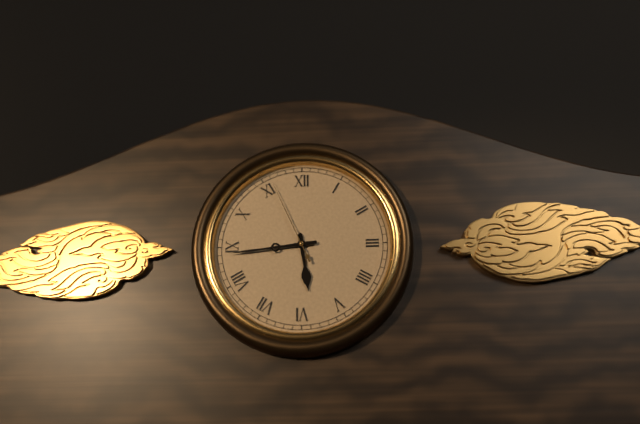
{"hour": 5, "minute": 44, "second": 56}
